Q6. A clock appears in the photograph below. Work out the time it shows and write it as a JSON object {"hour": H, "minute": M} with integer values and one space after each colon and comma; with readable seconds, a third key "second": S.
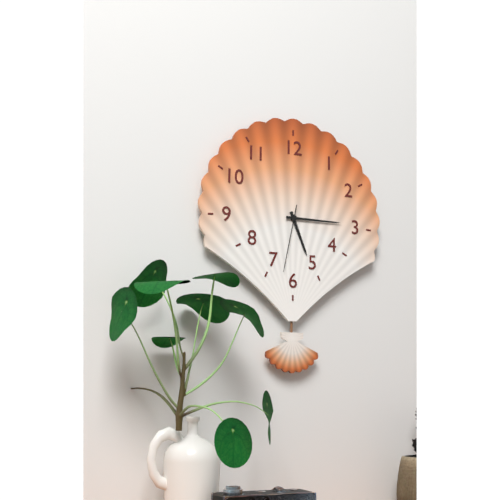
{"hour": 5, "minute": 15, "second": 32}
